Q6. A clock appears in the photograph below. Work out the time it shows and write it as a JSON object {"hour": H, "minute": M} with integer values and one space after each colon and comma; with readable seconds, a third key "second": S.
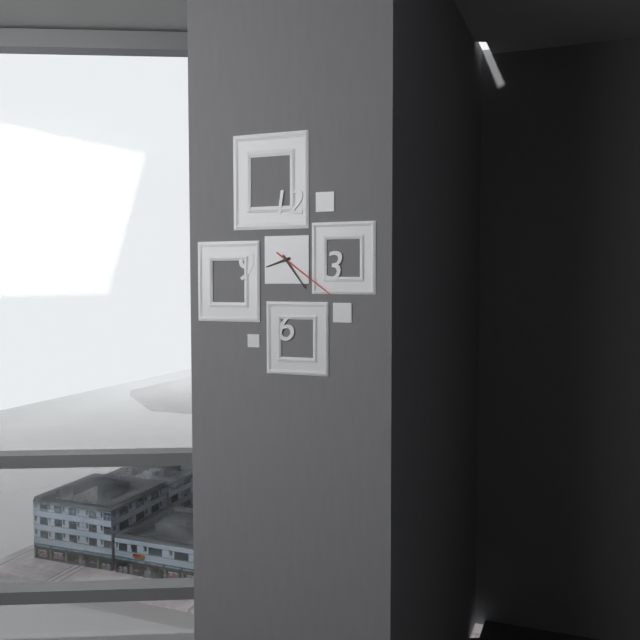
{"hour": 8, "minute": 24, "second": 21}
